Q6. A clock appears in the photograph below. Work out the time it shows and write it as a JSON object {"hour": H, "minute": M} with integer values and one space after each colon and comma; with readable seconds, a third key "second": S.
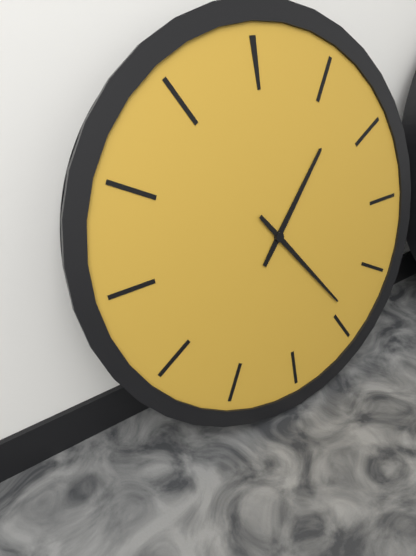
{"hour": 1, "minute": 24}
